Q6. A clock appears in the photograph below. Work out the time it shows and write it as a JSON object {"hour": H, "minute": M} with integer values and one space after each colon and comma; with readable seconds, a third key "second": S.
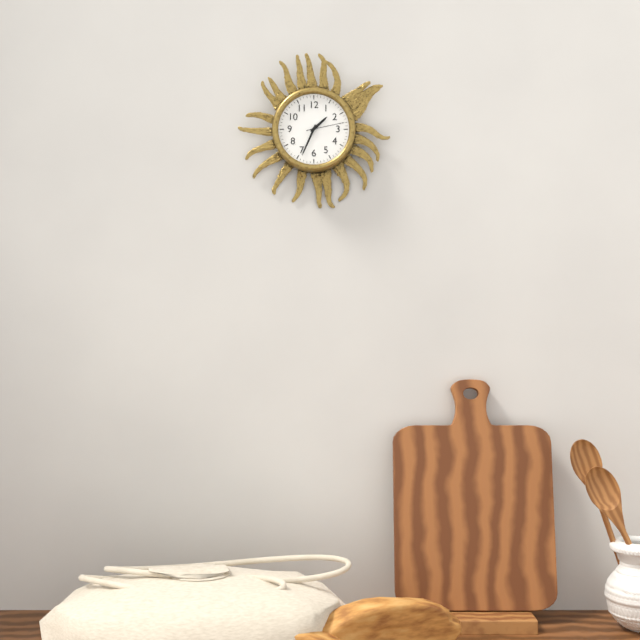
{"hour": 1, "minute": 34}
